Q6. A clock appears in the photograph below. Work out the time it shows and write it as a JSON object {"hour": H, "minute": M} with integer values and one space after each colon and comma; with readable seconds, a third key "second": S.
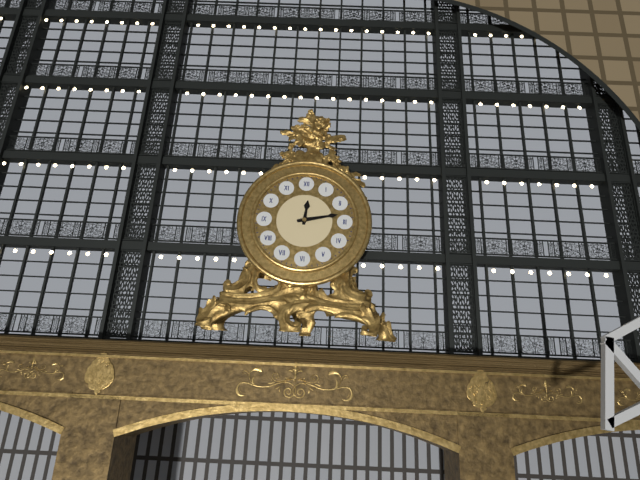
{"hour": 12, "minute": 13}
